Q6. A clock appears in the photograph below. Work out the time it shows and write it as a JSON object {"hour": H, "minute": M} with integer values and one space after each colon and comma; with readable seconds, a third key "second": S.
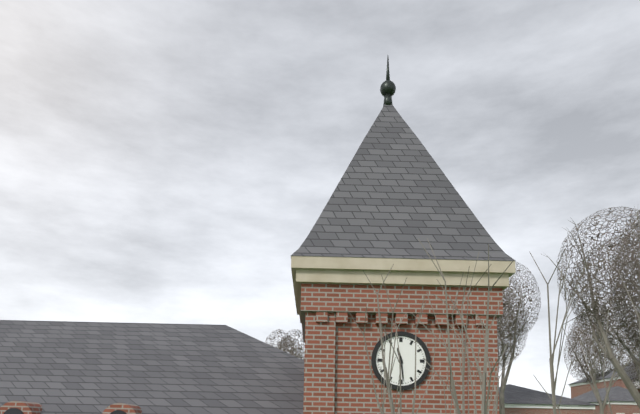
{"hour": 11, "minute": 29}
